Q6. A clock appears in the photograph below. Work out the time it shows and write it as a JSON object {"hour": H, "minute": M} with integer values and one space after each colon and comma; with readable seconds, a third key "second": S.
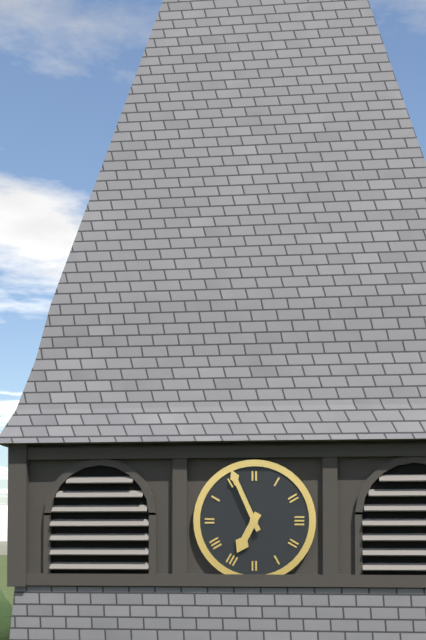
{"hour": 6, "minute": 56}
